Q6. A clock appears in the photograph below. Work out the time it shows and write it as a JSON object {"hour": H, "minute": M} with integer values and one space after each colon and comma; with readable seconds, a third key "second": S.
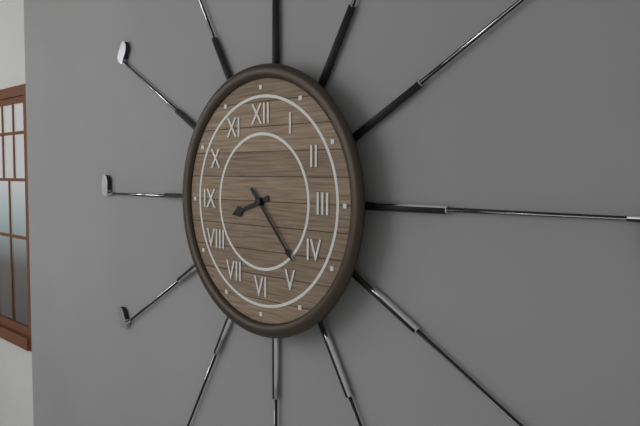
{"hour": 8, "minute": 23}
